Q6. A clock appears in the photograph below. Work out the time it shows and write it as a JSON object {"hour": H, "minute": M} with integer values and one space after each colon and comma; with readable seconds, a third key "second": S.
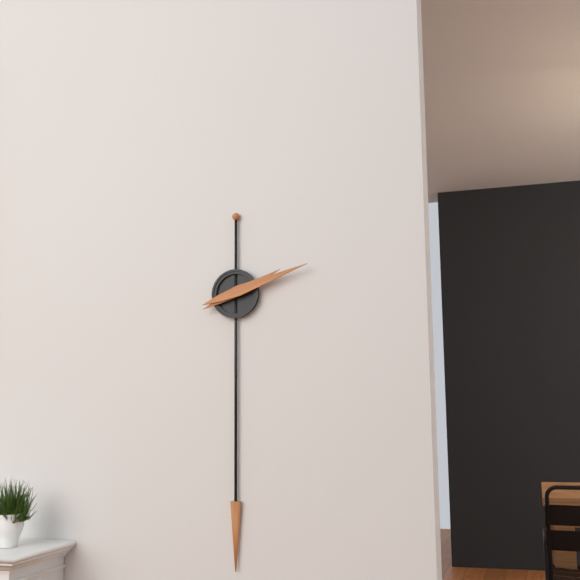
{"hour": 2, "minute": 12}
